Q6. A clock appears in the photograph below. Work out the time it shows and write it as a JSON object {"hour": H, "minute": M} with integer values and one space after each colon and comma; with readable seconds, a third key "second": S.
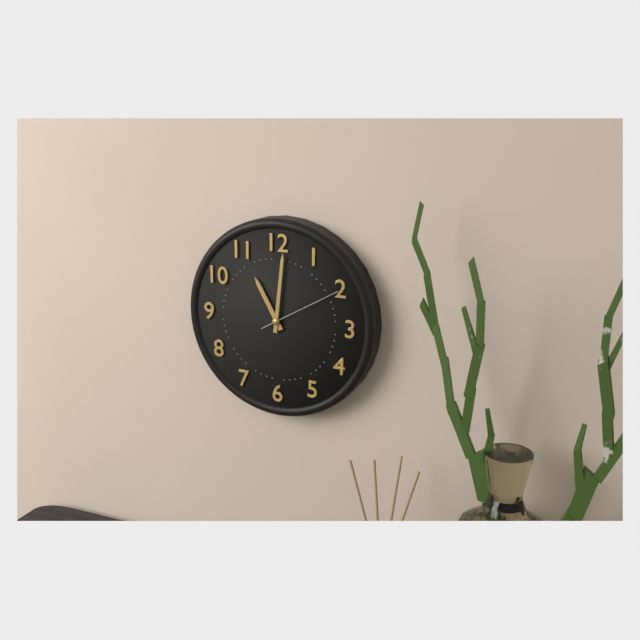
{"hour": 11, "minute": 1, "second": 10}
